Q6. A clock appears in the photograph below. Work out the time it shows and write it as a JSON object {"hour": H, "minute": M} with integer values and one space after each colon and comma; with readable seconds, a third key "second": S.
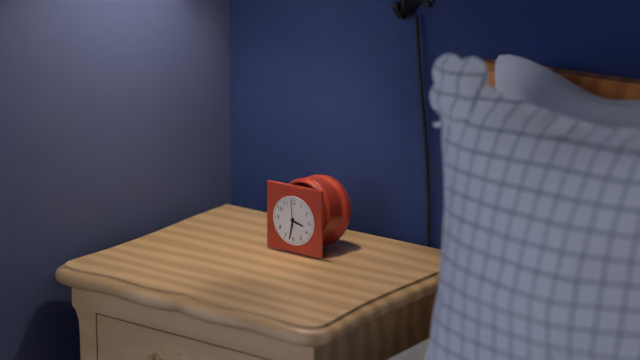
{"hour": 3, "minute": 32}
